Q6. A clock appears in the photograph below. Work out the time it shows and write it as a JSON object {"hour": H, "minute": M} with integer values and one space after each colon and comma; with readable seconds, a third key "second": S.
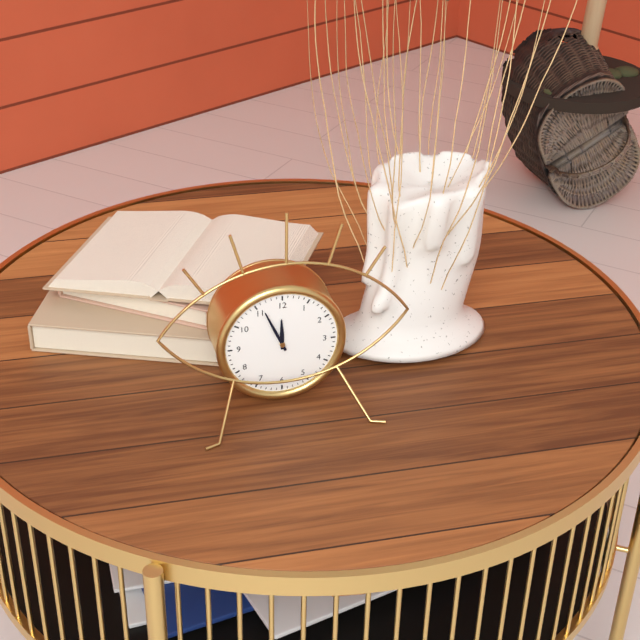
{"hour": 11, "minute": 56}
